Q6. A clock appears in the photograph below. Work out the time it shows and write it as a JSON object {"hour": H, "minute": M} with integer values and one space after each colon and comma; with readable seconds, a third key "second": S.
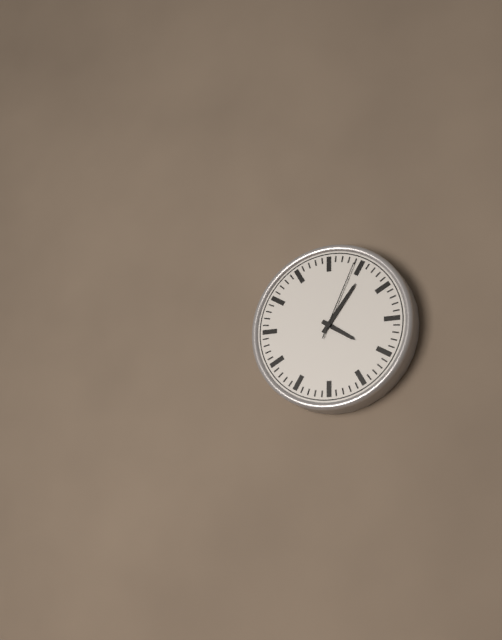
{"hour": 4, "minute": 6, "second": 4}
